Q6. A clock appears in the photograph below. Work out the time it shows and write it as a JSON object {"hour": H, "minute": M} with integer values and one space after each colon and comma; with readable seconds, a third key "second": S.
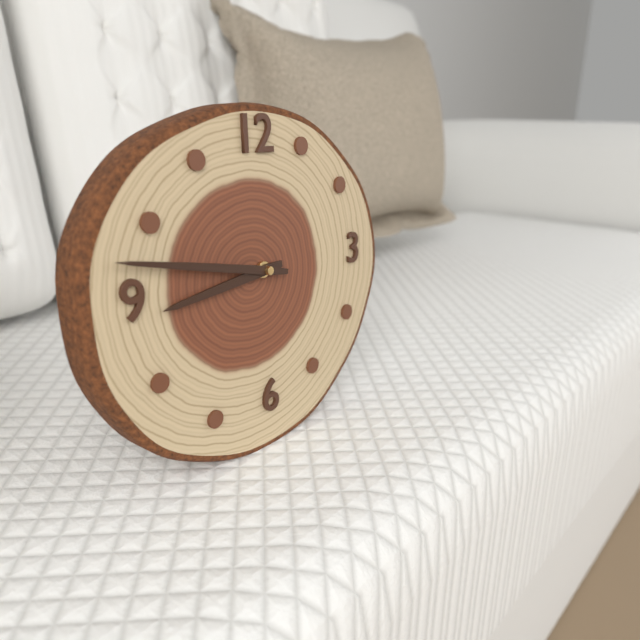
{"hour": 8, "minute": 47}
